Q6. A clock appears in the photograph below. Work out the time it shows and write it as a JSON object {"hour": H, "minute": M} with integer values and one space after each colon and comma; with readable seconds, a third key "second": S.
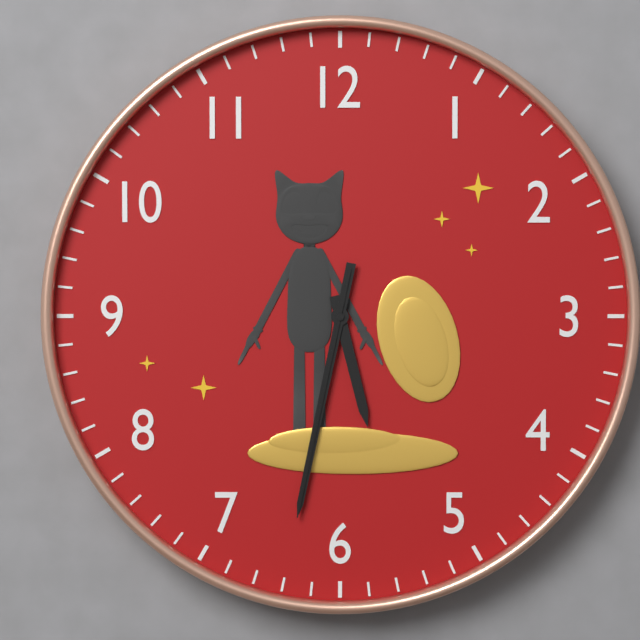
{"hour": 5, "minute": 32, "second": 32}
